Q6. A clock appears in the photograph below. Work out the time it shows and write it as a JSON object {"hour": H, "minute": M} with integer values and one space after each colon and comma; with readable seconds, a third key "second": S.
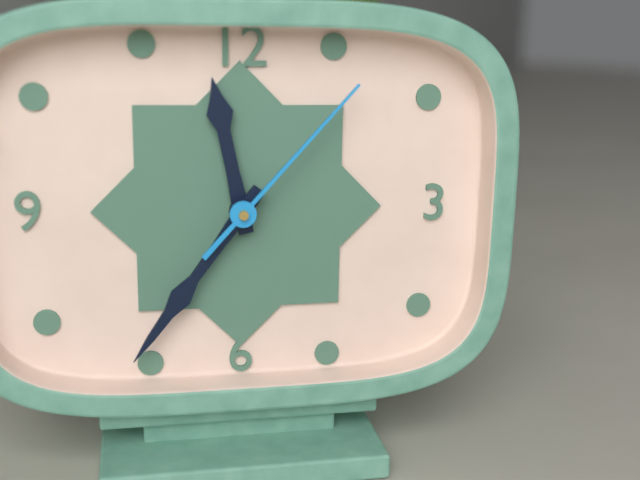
{"hour": 11, "minute": 36, "second": 7}
